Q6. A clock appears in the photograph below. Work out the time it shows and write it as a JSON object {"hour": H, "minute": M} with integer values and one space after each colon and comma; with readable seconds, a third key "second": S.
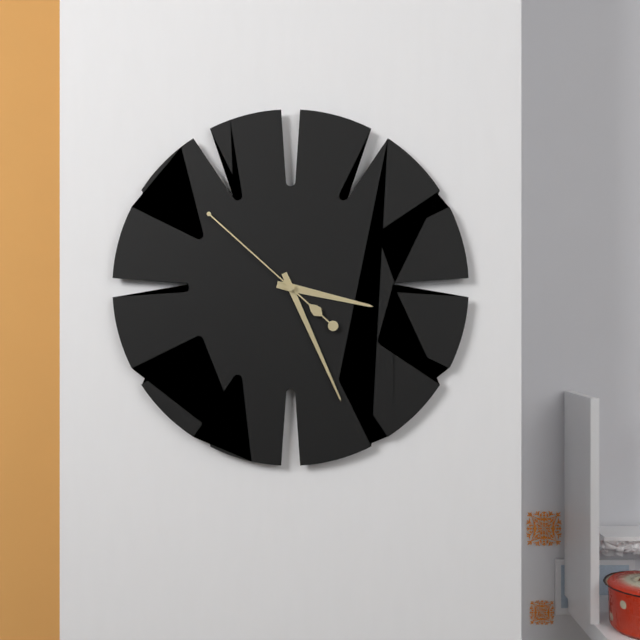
{"hour": 3, "minute": 26, "second": 52}
